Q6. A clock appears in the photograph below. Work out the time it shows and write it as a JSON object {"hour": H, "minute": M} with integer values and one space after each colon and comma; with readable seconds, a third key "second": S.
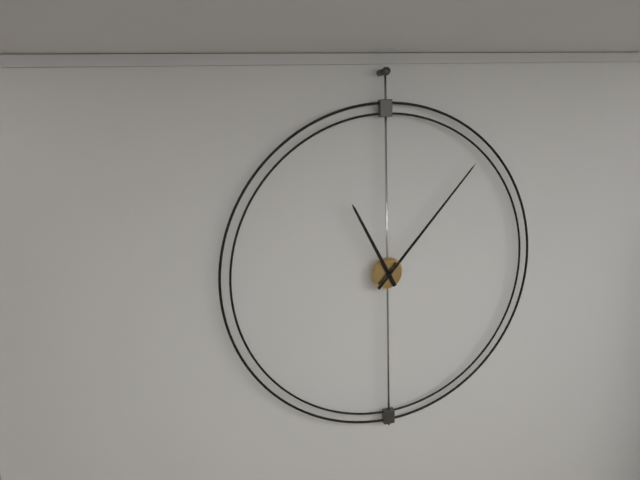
{"hour": 11, "minute": 7}
